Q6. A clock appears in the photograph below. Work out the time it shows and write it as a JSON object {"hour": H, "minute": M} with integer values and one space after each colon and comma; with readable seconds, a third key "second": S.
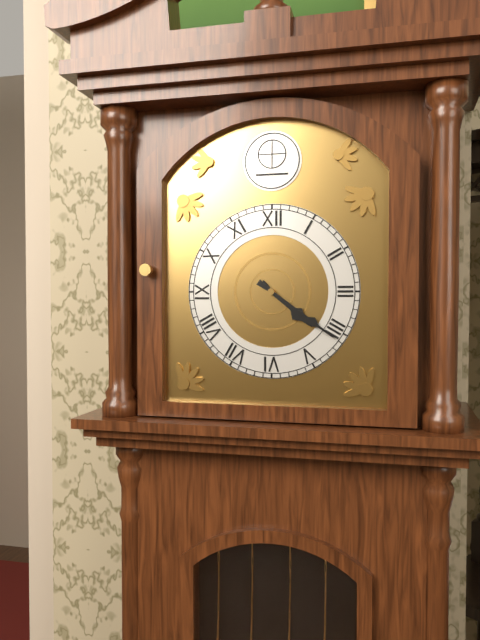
{"hour": 4, "minute": 21}
